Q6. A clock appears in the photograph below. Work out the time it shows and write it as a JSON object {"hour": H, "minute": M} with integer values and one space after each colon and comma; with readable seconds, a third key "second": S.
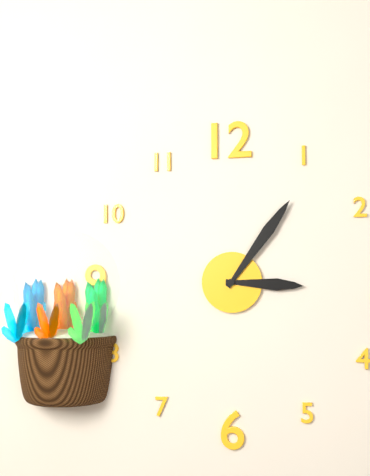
{"hour": 3, "minute": 6}
